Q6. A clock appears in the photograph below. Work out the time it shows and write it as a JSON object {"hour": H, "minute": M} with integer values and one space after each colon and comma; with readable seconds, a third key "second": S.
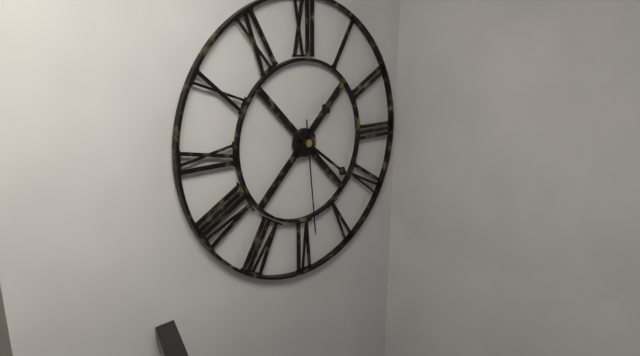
{"hour": 1, "minute": 21, "second": 29}
